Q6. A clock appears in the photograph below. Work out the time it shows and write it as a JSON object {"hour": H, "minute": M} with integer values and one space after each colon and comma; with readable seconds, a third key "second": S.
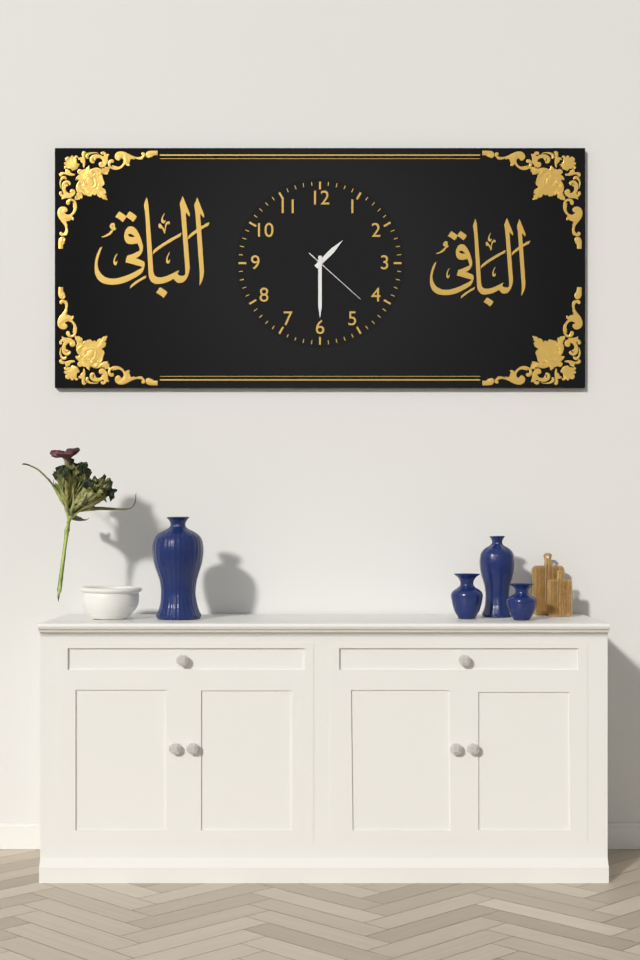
{"hour": 1, "minute": 30, "second": 22}
